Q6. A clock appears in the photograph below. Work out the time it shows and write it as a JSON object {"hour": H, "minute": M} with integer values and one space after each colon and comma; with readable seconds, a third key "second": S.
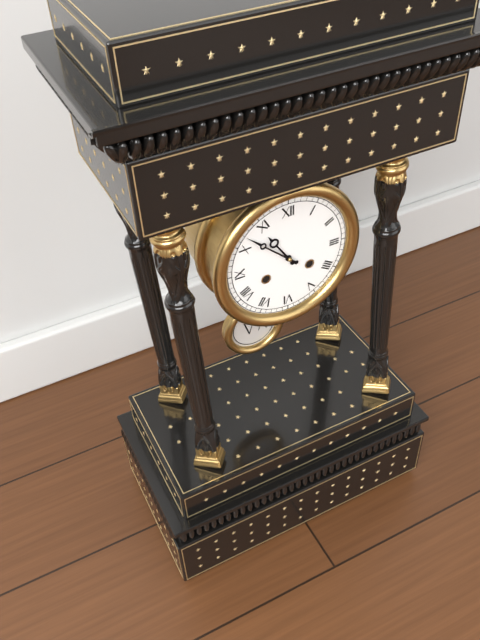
{"hour": 10, "minute": 52}
